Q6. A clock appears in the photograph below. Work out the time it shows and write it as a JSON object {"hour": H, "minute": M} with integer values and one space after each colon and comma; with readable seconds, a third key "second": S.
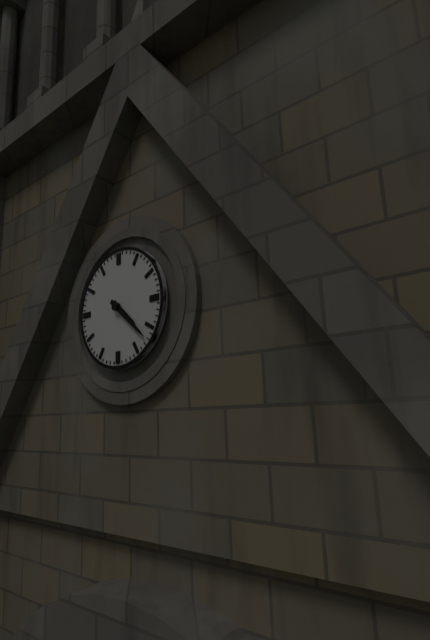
{"hour": 4, "minute": 22}
